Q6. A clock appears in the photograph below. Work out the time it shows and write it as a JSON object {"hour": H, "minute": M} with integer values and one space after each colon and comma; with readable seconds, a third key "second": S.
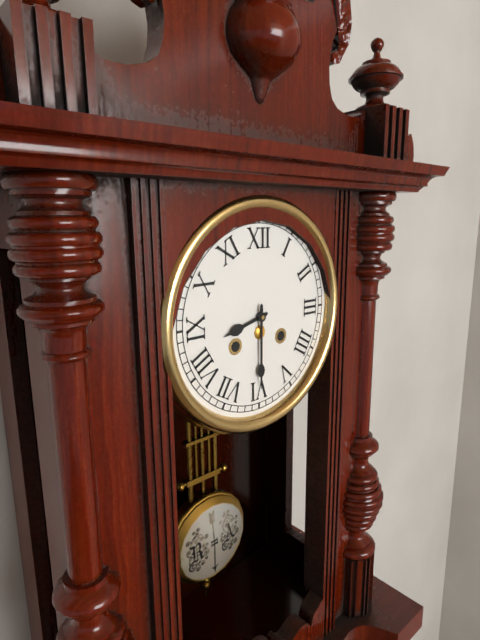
{"hour": 8, "minute": 30}
